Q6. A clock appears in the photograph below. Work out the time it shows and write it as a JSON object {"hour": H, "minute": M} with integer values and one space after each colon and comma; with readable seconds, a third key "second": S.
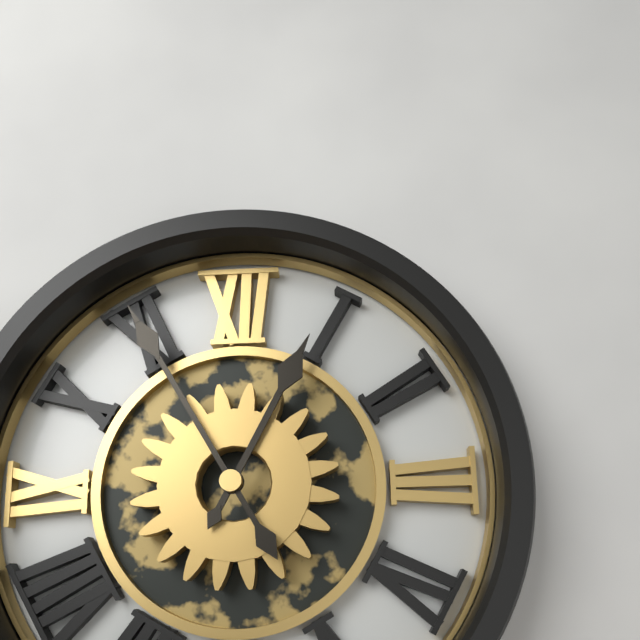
{"hour": 12, "minute": 55}
